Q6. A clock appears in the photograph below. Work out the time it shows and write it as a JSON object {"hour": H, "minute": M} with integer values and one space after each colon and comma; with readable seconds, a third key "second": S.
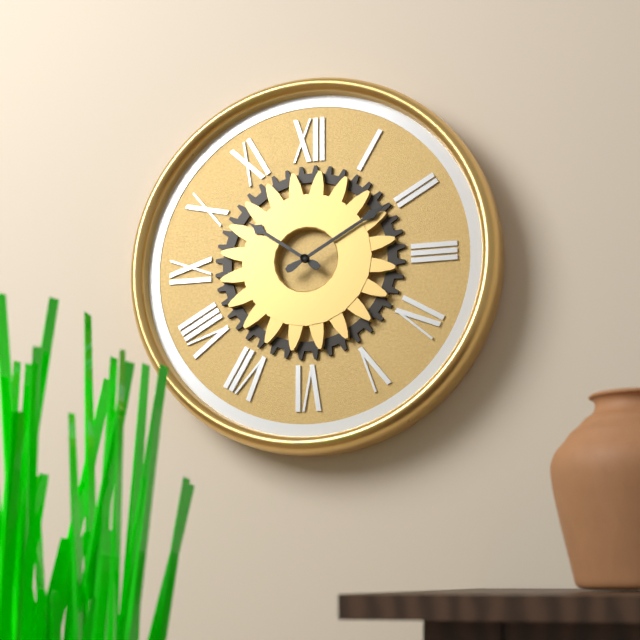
{"hour": 10, "minute": 10}
